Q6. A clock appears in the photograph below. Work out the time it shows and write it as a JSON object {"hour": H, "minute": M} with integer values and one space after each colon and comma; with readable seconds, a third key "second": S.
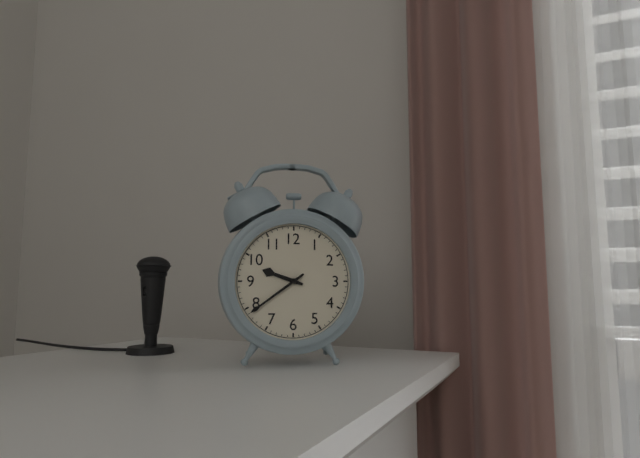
{"hour": 9, "minute": 39}
